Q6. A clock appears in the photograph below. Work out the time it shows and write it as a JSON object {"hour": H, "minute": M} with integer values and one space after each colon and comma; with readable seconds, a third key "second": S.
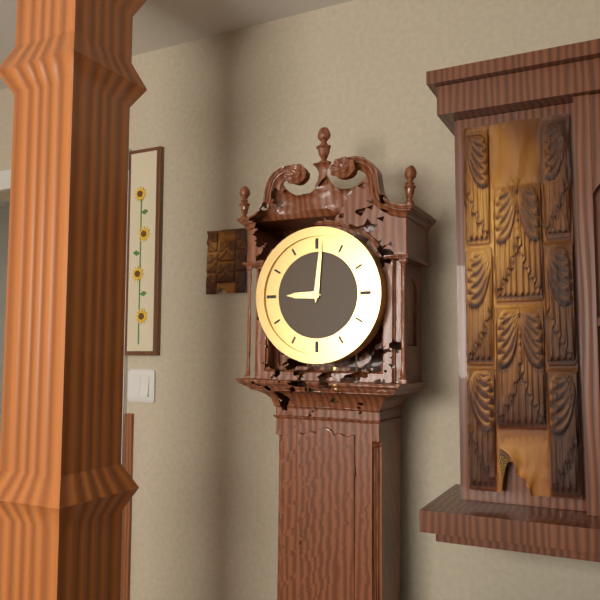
{"hour": 9, "minute": 1}
